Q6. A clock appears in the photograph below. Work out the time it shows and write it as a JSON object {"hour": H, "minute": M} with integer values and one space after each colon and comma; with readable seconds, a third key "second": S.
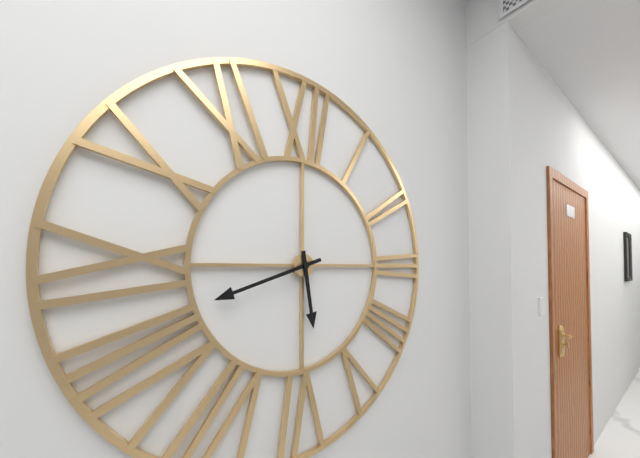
{"hour": 5, "minute": 42}
